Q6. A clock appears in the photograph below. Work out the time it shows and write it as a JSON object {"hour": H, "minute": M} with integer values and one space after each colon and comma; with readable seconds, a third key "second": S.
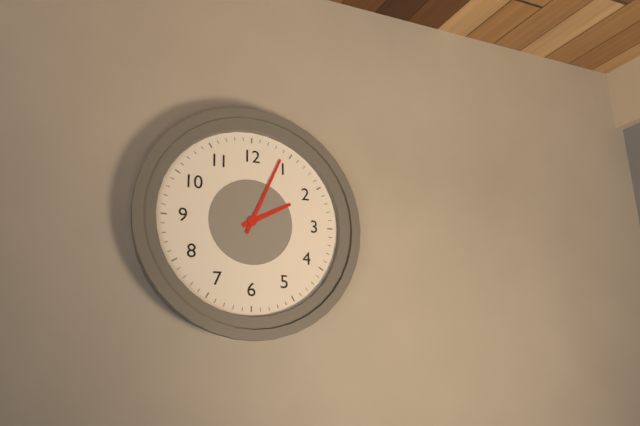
{"hour": 2, "minute": 4}
